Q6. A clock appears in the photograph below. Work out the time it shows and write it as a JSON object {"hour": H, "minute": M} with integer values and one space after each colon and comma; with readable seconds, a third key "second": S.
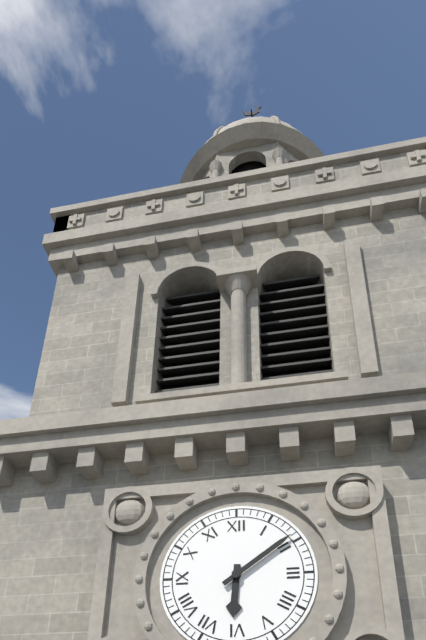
{"hour": 6, "minute": 9}
